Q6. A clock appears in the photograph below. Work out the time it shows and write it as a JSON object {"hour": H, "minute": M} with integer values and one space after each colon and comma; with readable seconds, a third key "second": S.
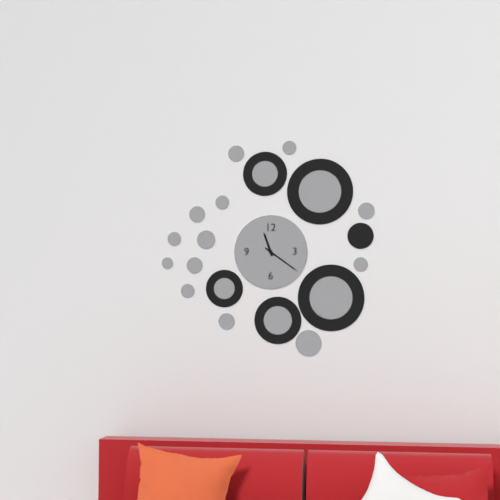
{"hour": 11, "minute": 21}
